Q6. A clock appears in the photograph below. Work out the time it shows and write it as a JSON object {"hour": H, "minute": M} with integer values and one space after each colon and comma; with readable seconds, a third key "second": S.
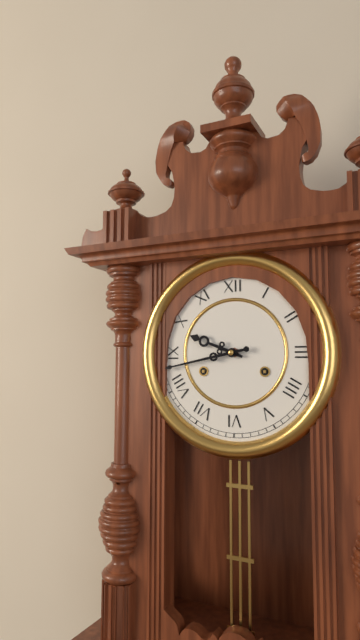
{"hour": 9, "minute": 43}
